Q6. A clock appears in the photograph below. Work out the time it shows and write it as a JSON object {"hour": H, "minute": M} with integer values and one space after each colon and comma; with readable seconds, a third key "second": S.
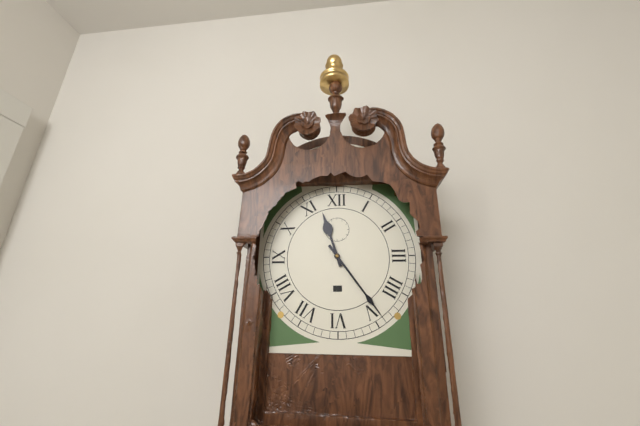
{"hour": 11, "minute": 24}
